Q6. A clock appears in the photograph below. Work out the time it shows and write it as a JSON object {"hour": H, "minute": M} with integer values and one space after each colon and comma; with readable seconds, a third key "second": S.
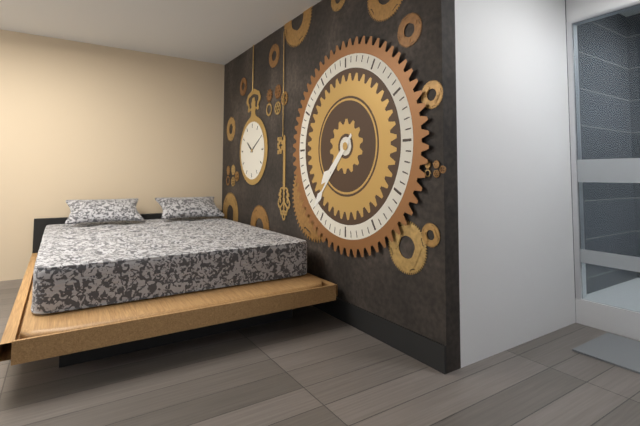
{"hour": 7, "minute": 37}
